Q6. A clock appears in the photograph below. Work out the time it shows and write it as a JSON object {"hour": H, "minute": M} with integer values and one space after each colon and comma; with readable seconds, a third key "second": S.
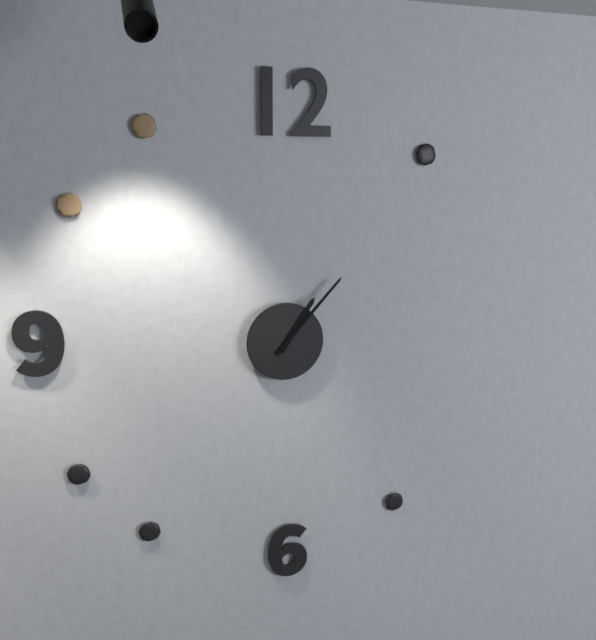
{"hour": 1, "minute": 7}
